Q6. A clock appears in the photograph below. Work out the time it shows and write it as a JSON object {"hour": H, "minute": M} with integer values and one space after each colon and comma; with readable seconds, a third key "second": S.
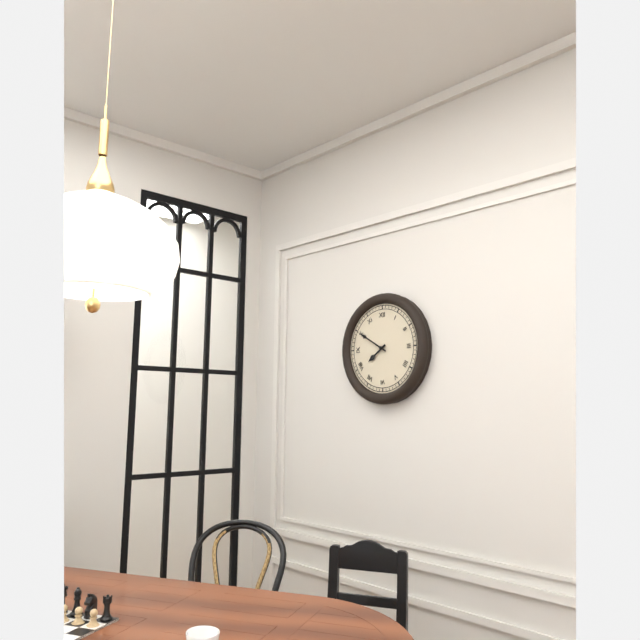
{"hour": 7, "minute": 50}
